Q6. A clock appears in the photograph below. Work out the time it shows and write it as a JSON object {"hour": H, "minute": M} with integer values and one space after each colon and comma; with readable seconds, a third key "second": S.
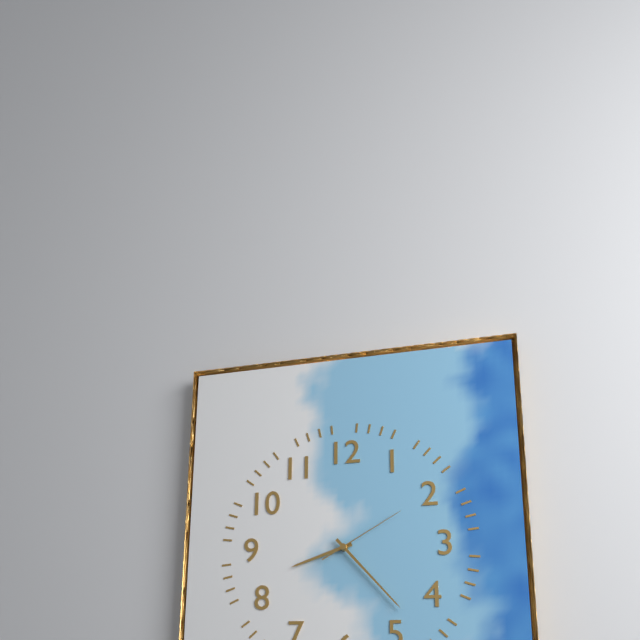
{"hour": 8, "minute": 23, "second": 10}
